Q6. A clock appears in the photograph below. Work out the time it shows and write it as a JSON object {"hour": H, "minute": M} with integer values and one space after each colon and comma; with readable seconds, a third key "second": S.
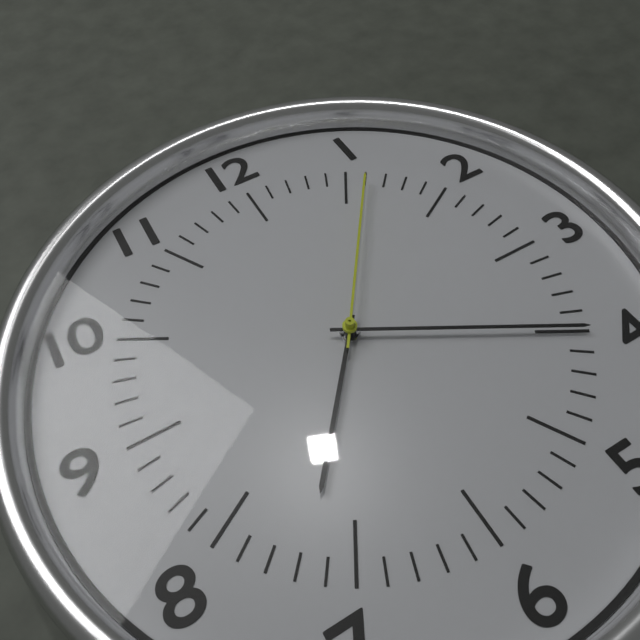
{"hour": 7, "minute": 20, "second": 6}
